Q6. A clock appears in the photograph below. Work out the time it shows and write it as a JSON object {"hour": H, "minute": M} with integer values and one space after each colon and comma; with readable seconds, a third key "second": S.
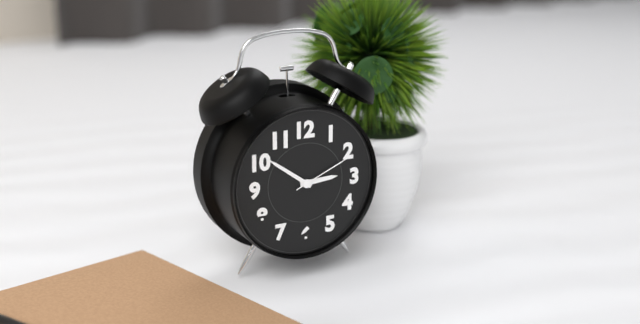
{"hour": 2, "minute": 51, "second": 11}
